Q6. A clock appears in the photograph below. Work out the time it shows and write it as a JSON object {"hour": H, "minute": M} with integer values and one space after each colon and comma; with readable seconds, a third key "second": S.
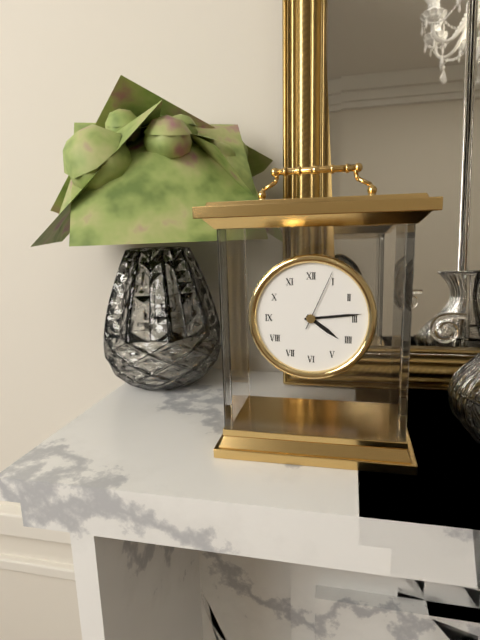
{"hour": 4, "minute": 14, "second": 4}
